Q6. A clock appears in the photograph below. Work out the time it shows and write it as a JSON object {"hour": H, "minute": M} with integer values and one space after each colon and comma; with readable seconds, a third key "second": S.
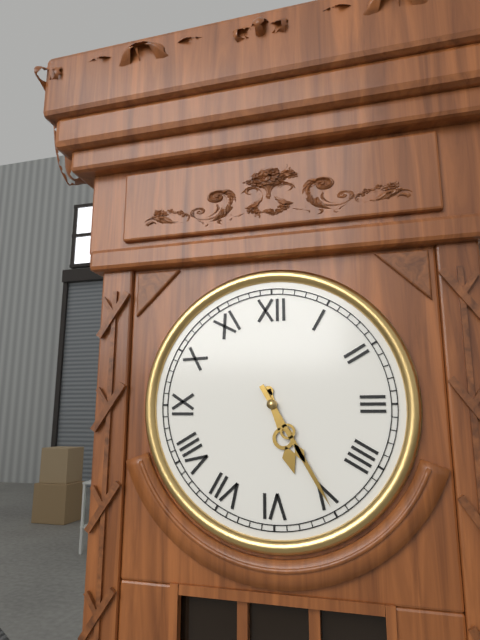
{"hour": 5, "minute": 25}
